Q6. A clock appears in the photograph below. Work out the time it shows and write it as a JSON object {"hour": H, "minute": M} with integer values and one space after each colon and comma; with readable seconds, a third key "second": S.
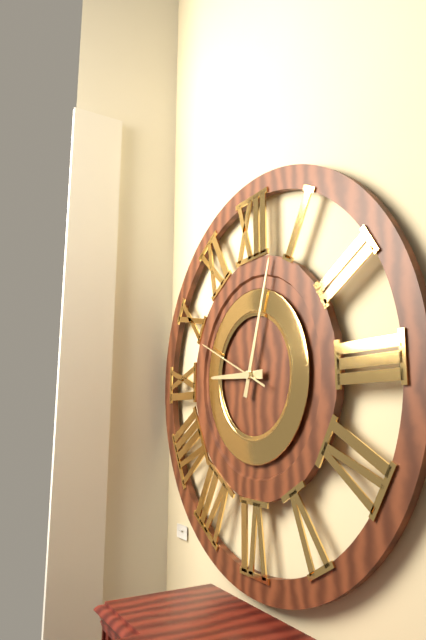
{"hour": 9, "minute": 3, "second": 49}
